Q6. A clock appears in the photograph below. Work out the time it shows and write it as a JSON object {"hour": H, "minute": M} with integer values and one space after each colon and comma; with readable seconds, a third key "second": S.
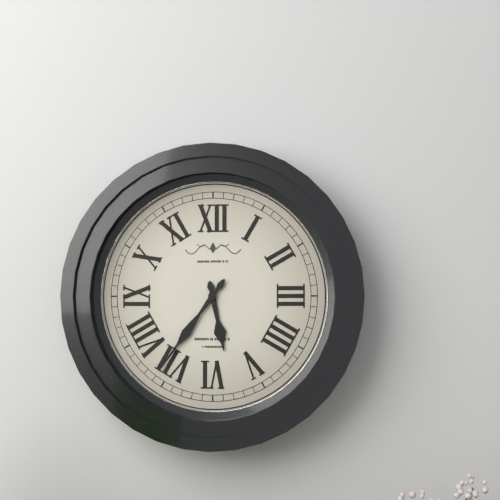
{"hour": 5, "minute": 36}
